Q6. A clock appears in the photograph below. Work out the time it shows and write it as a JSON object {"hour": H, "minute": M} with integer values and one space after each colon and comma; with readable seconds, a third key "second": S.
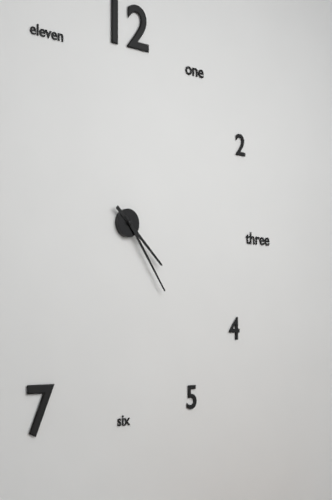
{"hour": 4, "minute": 24}
